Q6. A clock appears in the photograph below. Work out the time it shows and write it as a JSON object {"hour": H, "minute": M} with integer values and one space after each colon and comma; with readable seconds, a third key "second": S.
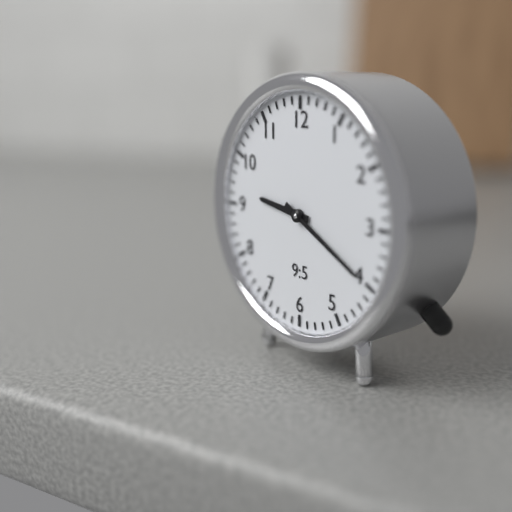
{"hour": 9, "minute": 20}
